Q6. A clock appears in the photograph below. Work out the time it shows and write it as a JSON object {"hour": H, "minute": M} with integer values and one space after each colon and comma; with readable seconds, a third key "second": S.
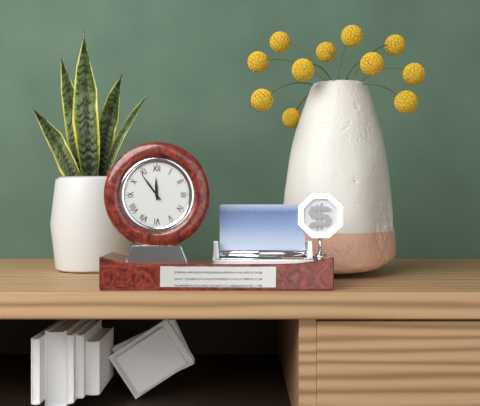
{"hour": 11, "minute": 54}
